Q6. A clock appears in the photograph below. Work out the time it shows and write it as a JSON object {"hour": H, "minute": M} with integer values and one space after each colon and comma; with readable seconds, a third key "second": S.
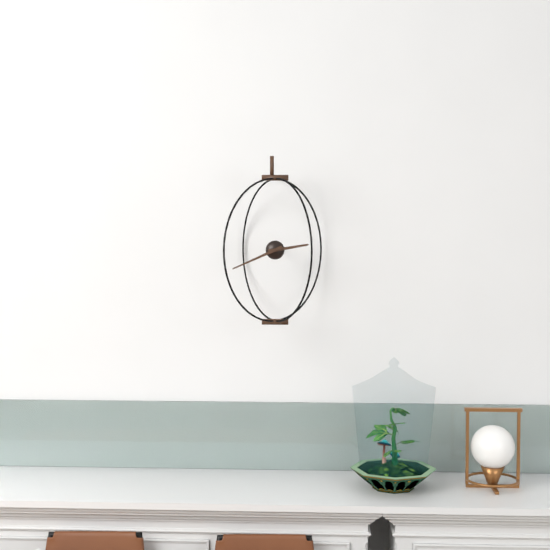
{"hour": 2, "minute": 41}
